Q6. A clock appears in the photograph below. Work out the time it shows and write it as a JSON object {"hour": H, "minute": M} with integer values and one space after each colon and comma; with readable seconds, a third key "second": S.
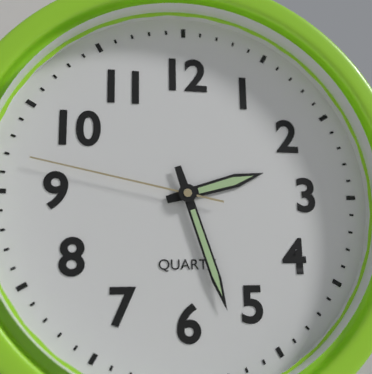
{"hour": 2, "minute": 27, "second": 47}
